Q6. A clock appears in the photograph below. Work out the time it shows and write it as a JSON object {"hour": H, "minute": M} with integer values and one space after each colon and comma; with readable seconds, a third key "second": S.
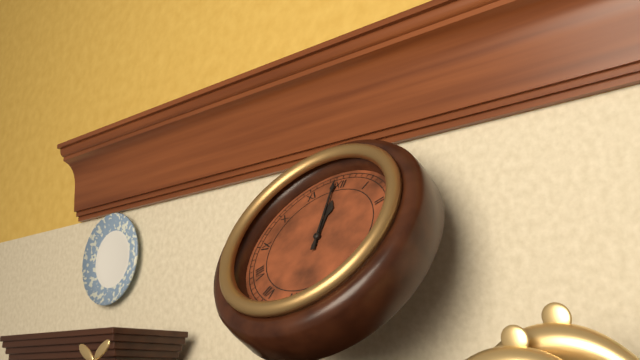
{"hour": 11, "minute": 59}
